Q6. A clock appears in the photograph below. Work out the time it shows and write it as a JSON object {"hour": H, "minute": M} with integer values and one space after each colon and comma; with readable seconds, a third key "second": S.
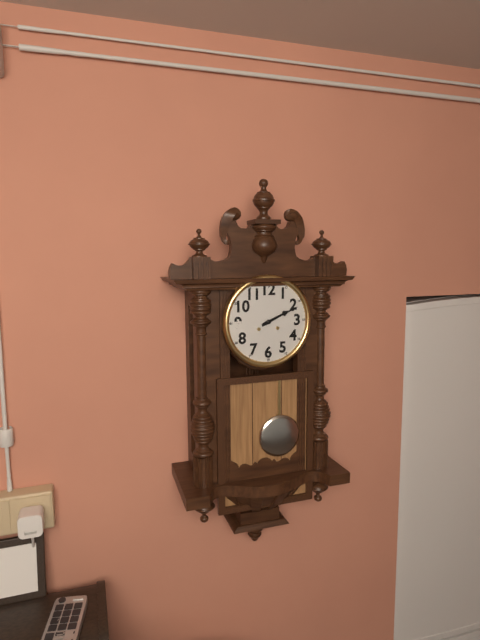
{"hour": 2, "minute": 11}
